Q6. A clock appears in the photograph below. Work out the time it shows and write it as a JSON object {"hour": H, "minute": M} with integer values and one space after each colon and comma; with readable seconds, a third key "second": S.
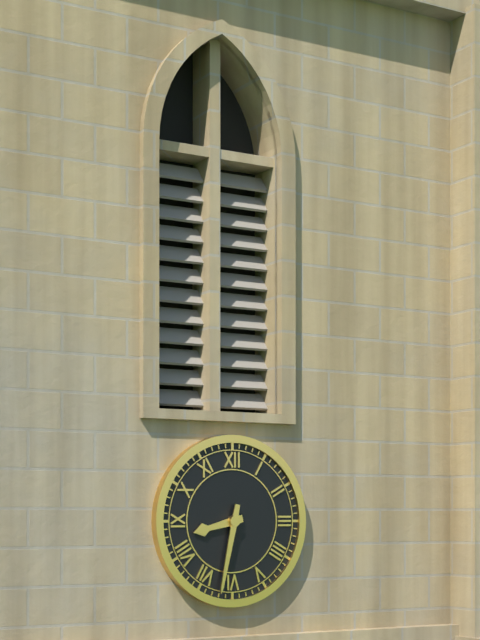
{"hour": 8, "minute": 32}
